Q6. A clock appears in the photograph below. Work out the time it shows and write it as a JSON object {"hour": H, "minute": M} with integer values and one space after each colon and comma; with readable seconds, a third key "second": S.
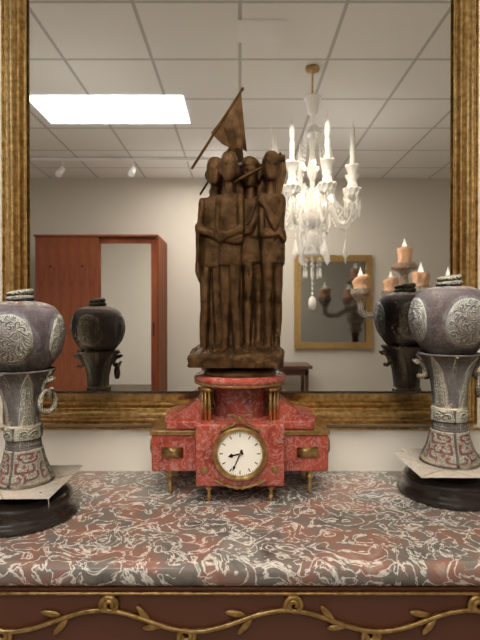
{"hour": 8, "minute": 34}
